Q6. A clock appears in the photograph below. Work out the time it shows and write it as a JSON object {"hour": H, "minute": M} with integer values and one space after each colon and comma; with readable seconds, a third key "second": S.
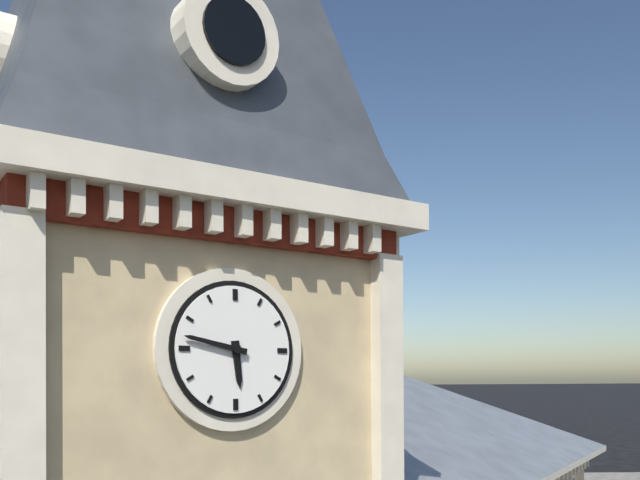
{"hour": 5, "minute": 47}
